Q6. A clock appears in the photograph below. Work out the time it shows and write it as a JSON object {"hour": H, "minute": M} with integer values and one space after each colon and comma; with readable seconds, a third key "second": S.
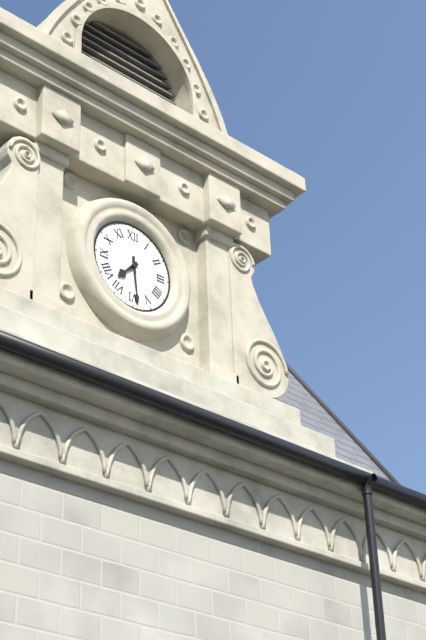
{"hour": 7, "minute": 29}
